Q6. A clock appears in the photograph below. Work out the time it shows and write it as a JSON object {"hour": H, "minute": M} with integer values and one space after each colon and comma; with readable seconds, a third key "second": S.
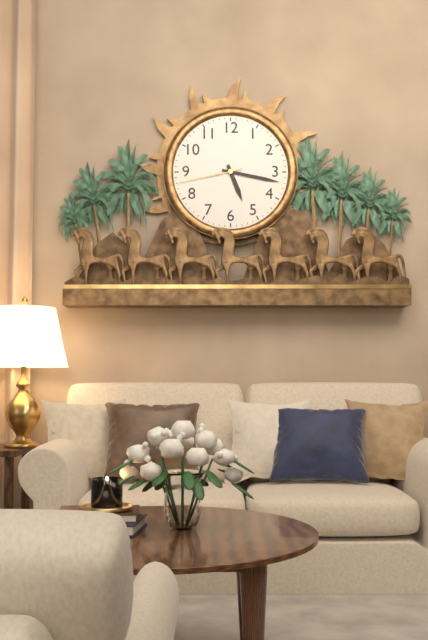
{"hour": 5, "minute": 17, "second": 43}
